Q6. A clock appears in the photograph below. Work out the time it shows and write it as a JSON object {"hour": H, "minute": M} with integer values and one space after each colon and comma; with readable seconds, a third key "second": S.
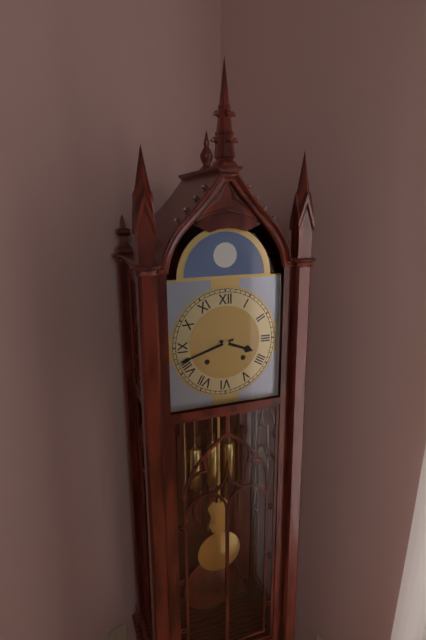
{"hour": 3, "minute": 42}
